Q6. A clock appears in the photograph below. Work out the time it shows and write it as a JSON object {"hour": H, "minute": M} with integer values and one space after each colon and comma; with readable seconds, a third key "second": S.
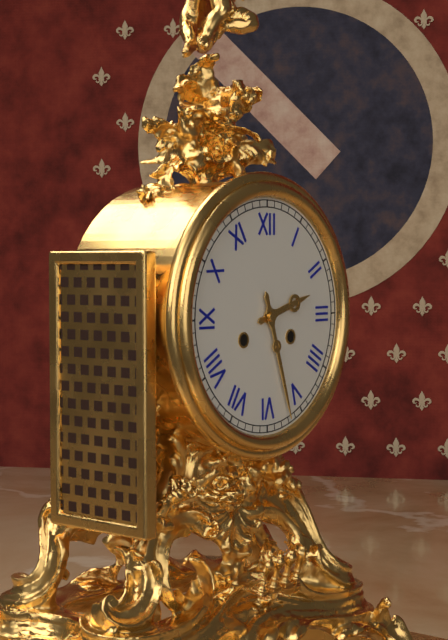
{"hour": 2, "minute": 27}
